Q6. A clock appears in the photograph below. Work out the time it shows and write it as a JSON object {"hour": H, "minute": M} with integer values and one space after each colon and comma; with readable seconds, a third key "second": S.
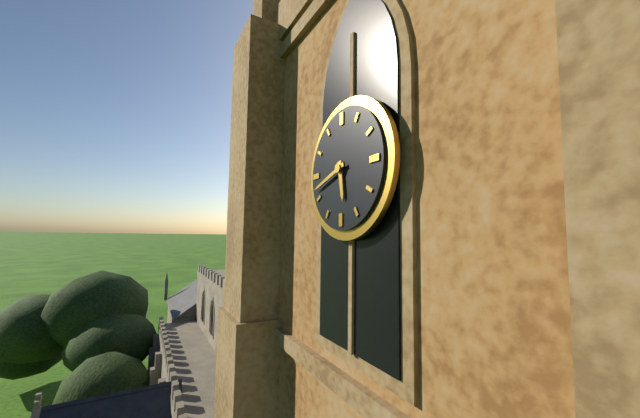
{"hour": 5, "minute": 42}
